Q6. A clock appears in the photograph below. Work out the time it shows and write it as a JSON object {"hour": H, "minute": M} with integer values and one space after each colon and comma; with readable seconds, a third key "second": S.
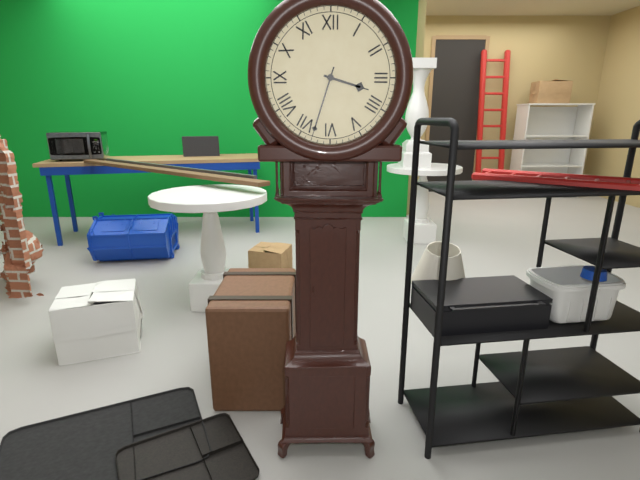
{"hour": 3, "minute": 33}
